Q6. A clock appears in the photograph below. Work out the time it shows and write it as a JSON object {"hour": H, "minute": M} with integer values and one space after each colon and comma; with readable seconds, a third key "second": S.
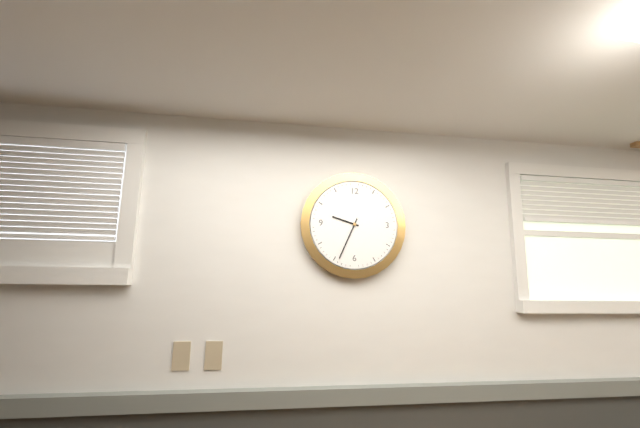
{"hour": 9, "minute": 34}
